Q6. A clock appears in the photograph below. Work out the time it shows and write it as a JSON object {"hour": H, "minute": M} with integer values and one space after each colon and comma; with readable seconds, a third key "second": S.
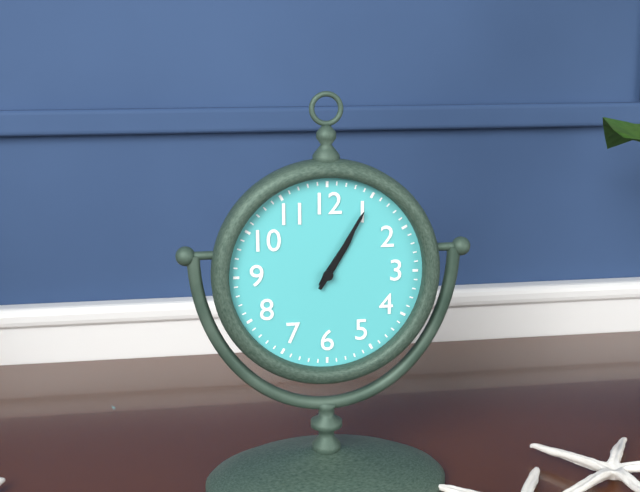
{"hour": 1, "minute": 5}
